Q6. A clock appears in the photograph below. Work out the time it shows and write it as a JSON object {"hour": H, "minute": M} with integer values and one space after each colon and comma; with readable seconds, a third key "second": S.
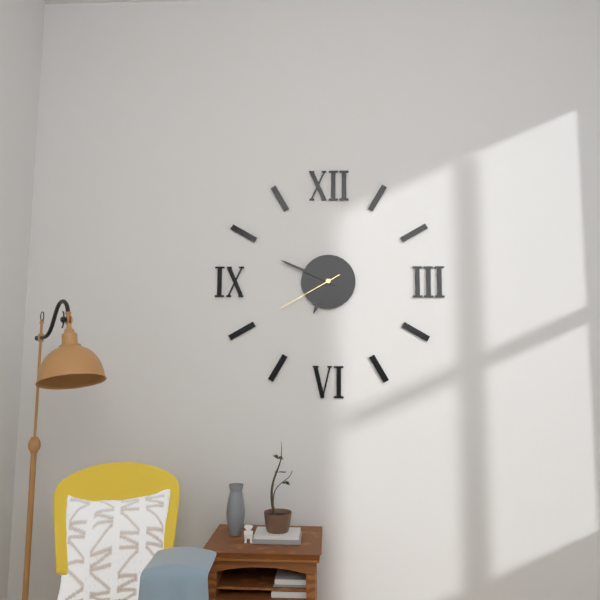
{"hour": 6, "minute": 49, "second": 40}
